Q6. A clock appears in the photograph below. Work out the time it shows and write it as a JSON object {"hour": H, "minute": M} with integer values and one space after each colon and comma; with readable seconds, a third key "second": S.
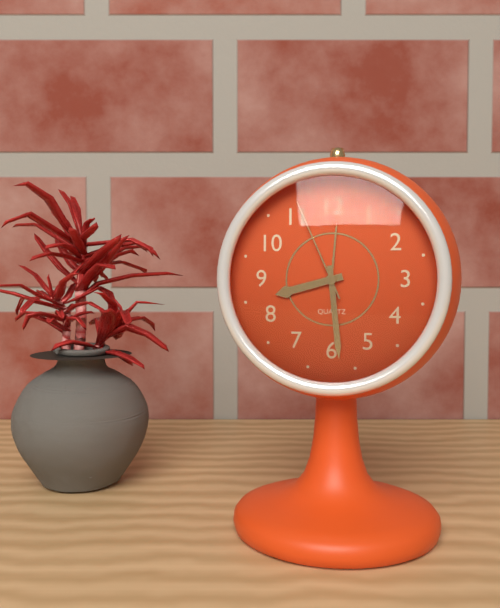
{"hour": 8, "minute": 29, "second": 56}
